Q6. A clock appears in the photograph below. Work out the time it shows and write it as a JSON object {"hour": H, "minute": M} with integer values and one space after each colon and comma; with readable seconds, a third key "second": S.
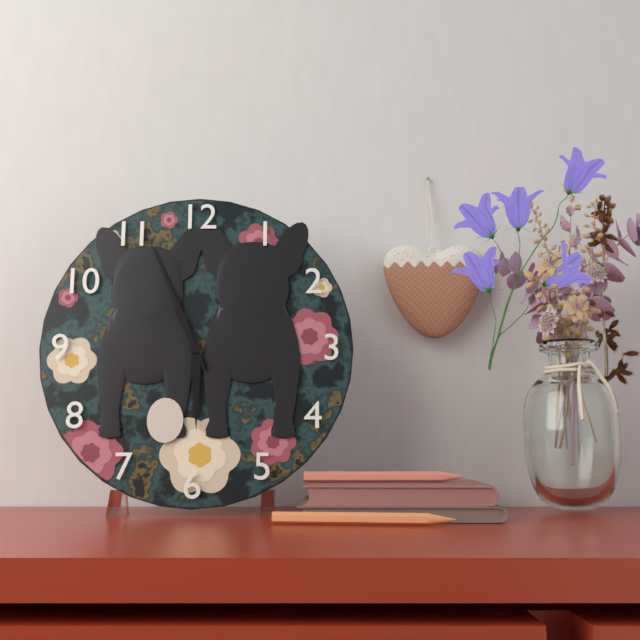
{"hour": 5, "minute": 56}
